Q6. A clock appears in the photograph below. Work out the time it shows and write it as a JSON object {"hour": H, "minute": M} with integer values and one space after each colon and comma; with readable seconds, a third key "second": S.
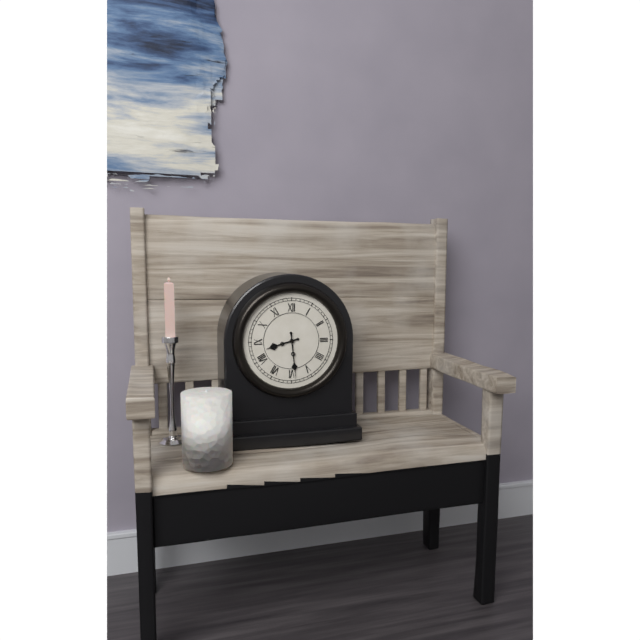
{"hour": 8, "minute": 29}
